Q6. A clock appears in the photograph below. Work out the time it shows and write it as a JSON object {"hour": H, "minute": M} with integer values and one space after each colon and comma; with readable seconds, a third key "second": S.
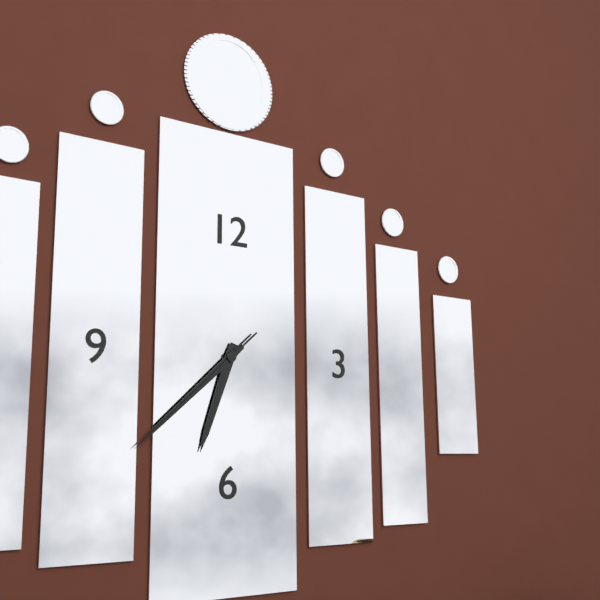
{"hour": 6, "minute": 38, "second": 38}
